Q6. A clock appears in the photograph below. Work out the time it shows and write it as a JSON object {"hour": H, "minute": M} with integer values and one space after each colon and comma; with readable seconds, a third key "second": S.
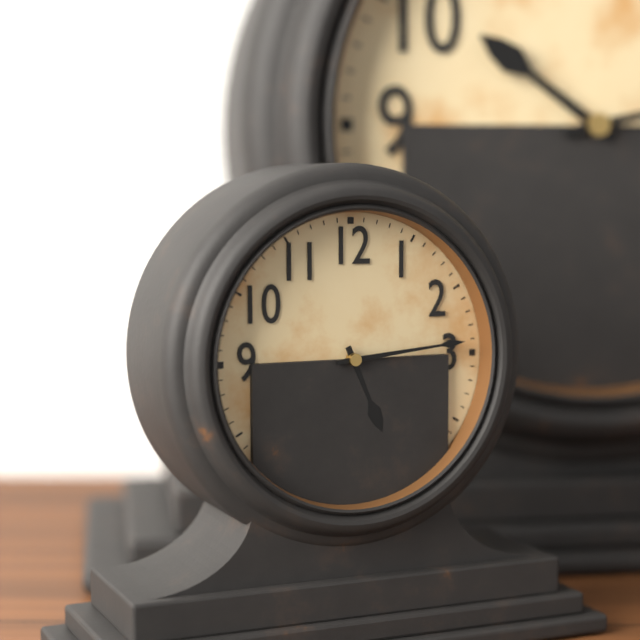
{"hour": 5, "minute": 14}
